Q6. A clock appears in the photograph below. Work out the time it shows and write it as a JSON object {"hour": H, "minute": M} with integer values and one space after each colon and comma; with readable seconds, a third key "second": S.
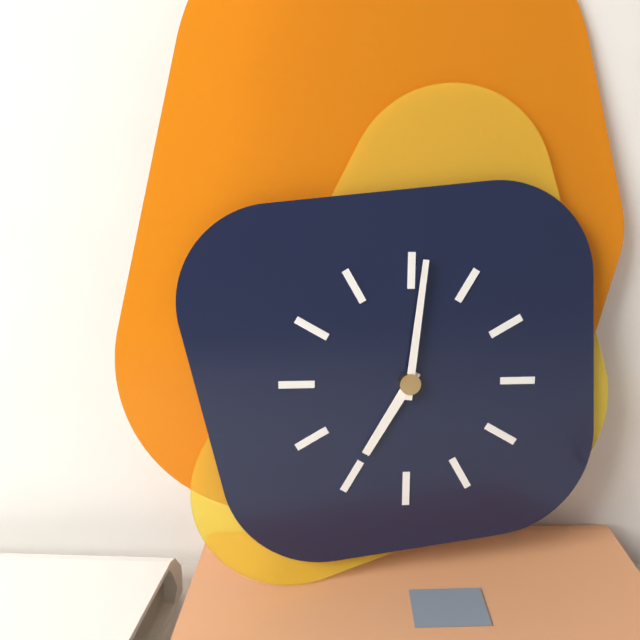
{"hour": 7, "minute": 1}
